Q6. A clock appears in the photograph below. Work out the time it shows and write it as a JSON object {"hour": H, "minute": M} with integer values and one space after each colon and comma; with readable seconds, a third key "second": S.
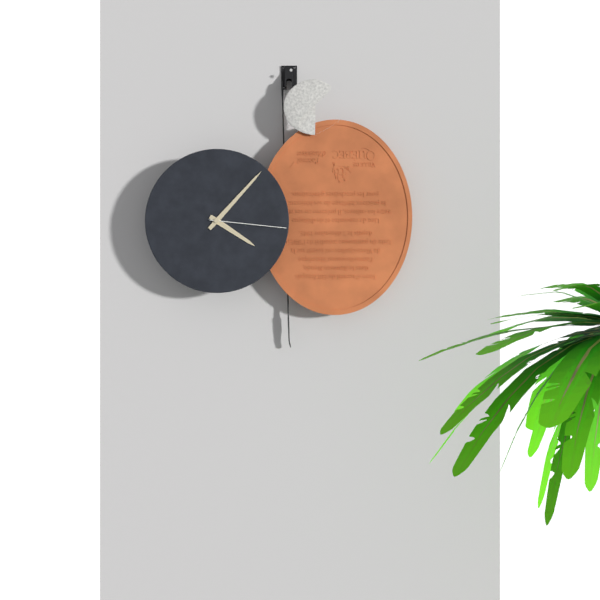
{"hour": 4, "minute": 7, "second": 16}
